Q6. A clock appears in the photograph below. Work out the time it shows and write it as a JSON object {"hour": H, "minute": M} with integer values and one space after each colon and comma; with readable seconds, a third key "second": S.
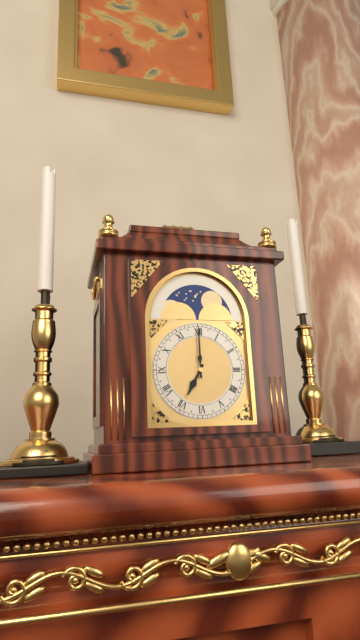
{"hour": 7, "minute": 0}
